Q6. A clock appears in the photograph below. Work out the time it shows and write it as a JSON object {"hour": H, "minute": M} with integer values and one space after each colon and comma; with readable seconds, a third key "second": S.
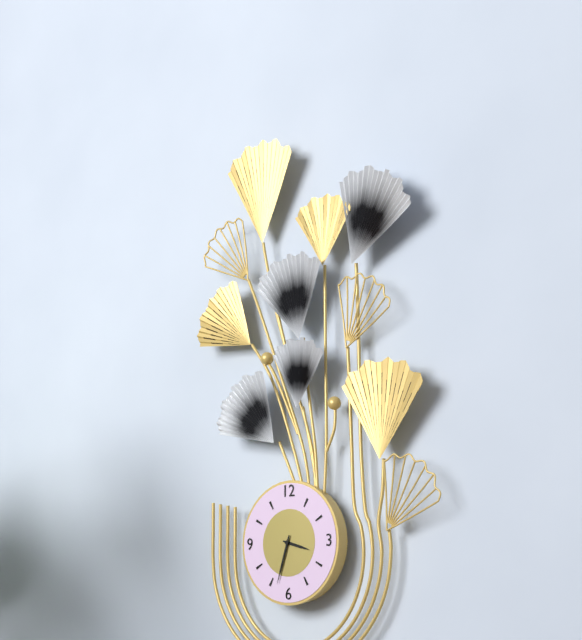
{"hour": 3, "minute": 33}
